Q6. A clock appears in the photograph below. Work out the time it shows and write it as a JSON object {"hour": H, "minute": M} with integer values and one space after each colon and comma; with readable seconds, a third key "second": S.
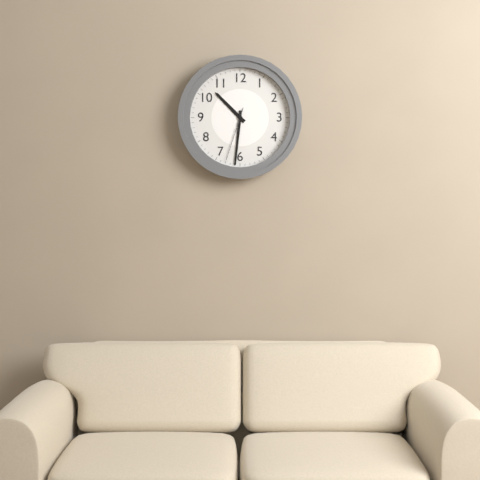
{"hour": 10, "minute": 31, "second": 33}
